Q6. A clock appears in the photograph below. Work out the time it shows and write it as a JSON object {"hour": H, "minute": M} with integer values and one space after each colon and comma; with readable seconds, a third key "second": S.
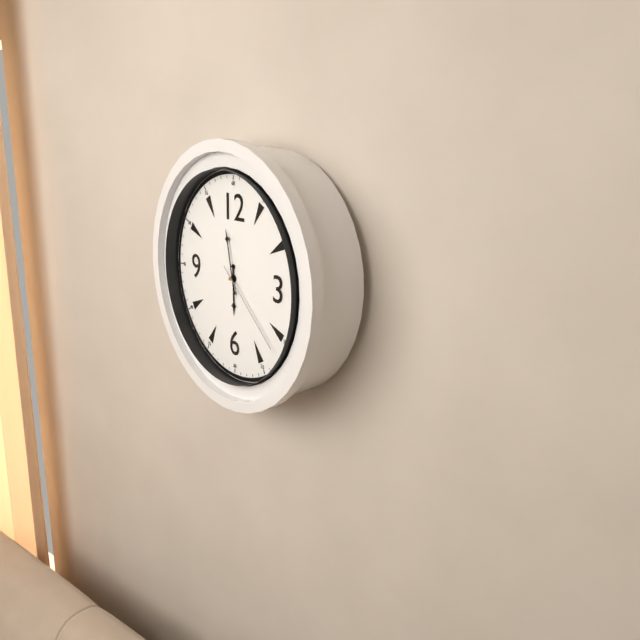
{"hour": 5, "minute": 58, "second": 22}
